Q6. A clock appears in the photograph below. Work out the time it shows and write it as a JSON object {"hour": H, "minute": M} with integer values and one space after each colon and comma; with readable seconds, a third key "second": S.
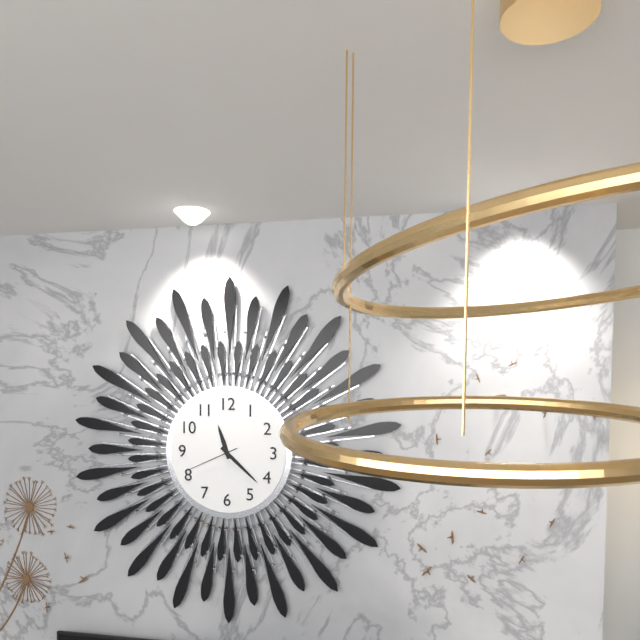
{"hour": 11, "minute": 22, "second": 41}
